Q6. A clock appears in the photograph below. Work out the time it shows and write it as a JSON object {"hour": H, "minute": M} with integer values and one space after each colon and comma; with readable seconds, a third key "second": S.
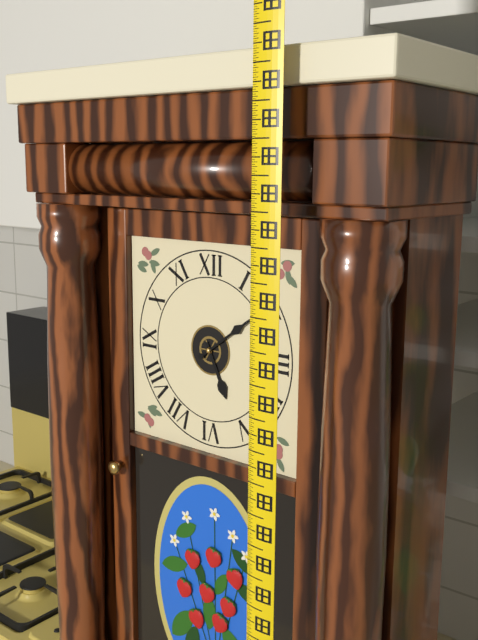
{"hour": 5, "minute": 9}
